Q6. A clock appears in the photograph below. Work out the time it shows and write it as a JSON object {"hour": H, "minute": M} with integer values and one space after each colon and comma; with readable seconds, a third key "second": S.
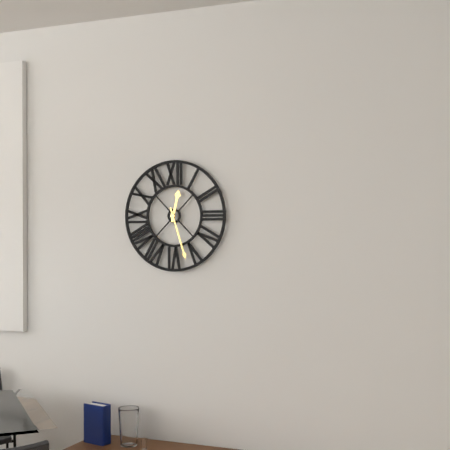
{"hour": 12, "minute": 27}
